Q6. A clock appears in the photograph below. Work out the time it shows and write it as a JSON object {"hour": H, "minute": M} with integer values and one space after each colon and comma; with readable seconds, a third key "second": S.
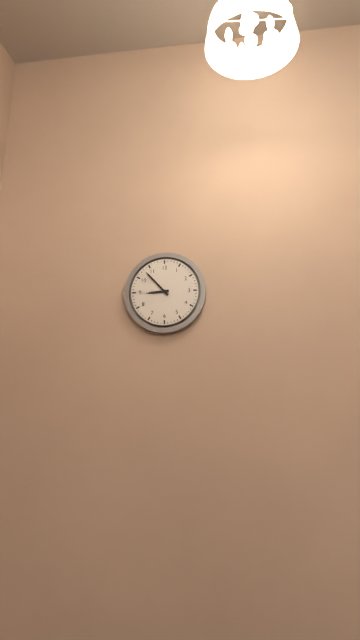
{"hour": 8, "minute": 53}
